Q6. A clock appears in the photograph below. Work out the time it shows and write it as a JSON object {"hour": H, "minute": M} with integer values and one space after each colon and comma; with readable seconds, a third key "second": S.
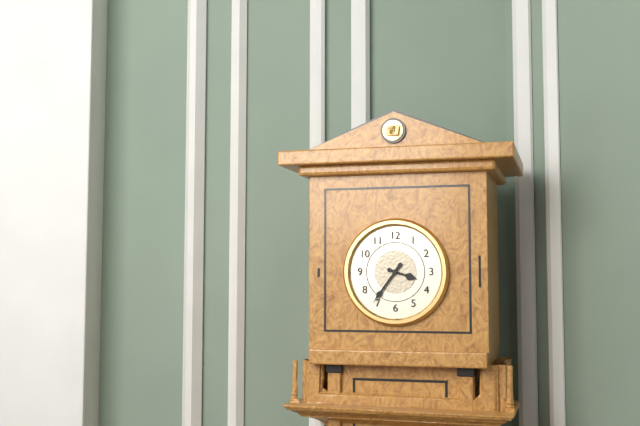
{"hour": 3, "minute": 36}
